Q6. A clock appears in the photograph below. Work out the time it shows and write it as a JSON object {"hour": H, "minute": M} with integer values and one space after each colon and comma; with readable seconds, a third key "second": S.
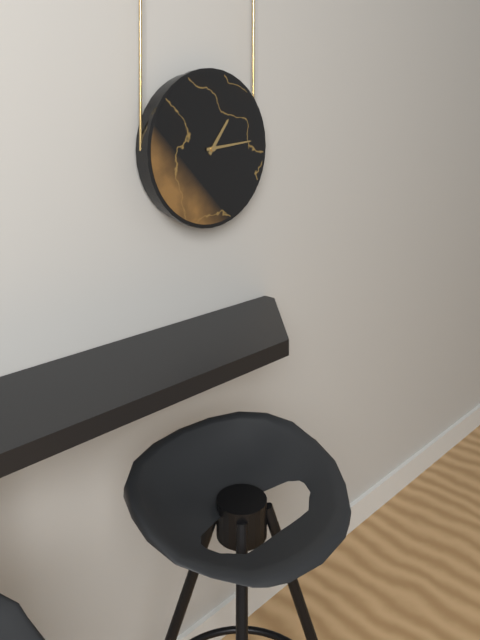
{"hour": 1, "minute": 14}
